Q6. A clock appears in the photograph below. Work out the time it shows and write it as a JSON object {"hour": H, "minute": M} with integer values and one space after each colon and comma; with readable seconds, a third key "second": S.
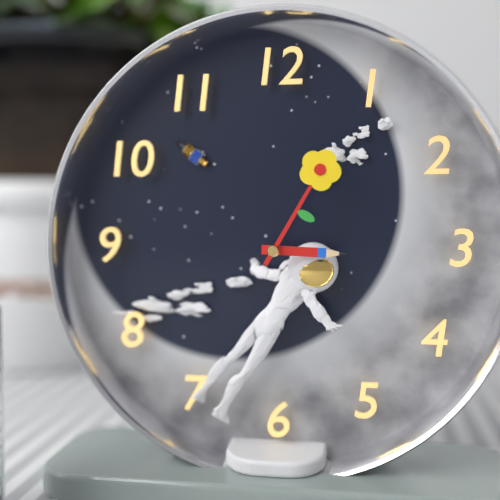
{"hour": 3, "minute": 5}
